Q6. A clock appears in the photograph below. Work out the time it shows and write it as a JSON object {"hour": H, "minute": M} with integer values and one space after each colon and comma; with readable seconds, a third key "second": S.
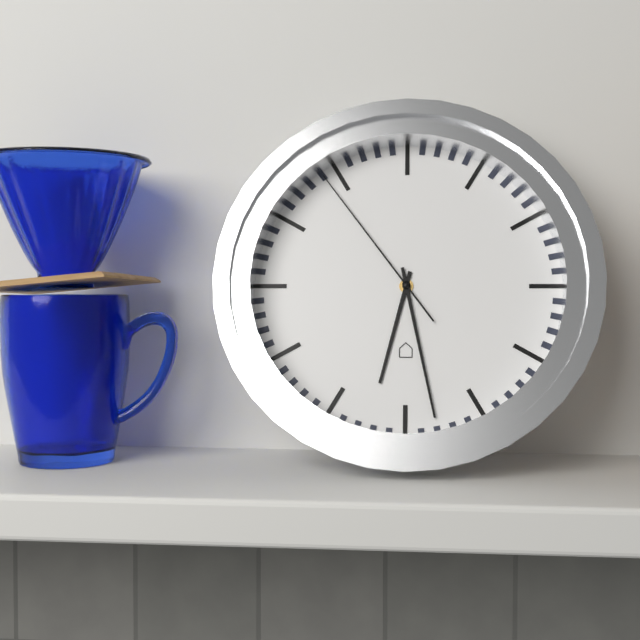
{"hour": 6, "minute": 28, "second": 54}
